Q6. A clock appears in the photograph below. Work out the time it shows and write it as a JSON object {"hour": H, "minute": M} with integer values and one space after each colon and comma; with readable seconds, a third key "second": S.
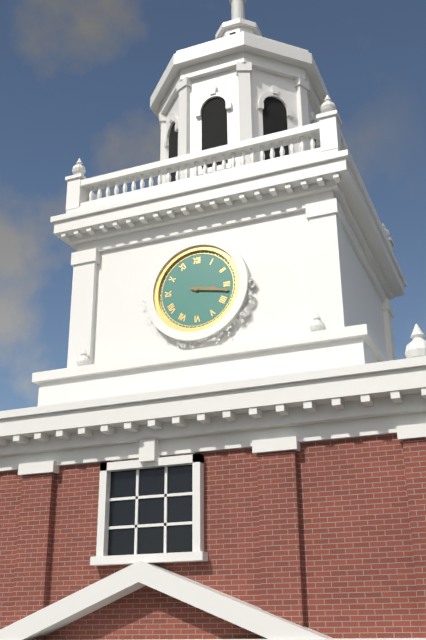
{"hour": 3, "minute": 17}
